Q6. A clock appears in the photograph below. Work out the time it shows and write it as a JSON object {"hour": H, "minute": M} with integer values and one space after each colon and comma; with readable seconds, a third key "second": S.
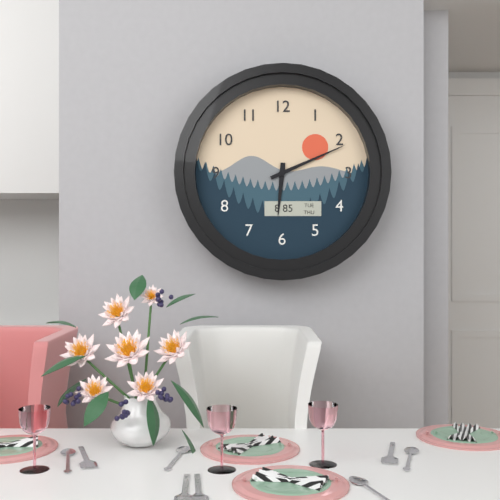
{"hour": 6, "minute": 11}
